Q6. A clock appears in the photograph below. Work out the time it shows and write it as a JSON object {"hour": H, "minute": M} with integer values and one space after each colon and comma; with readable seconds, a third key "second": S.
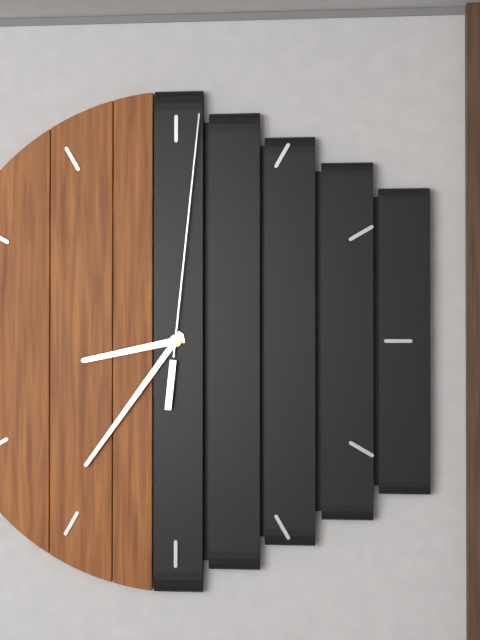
{"hour": 8, "minute": 36, "second": 1}
